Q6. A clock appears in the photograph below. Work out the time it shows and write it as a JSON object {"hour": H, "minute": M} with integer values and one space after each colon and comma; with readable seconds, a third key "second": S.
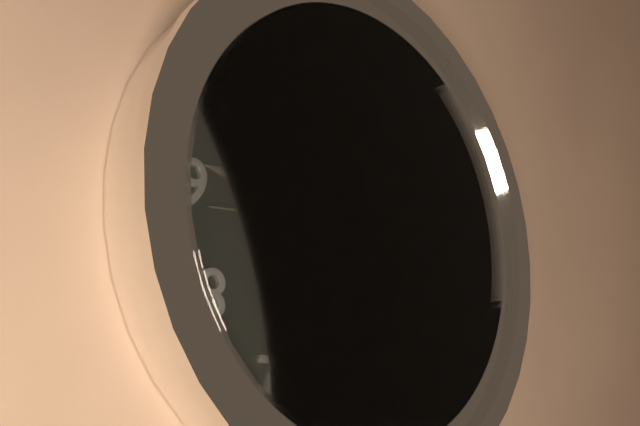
{"hour": 8, "minute": 46, "second": 44}
